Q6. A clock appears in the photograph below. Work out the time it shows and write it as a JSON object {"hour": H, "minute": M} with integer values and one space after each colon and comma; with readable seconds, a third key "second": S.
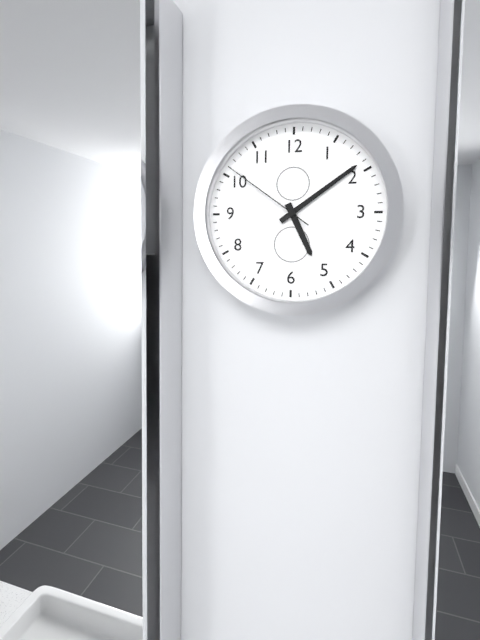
{"hour": 5, "minute": 9, "second": 51}
